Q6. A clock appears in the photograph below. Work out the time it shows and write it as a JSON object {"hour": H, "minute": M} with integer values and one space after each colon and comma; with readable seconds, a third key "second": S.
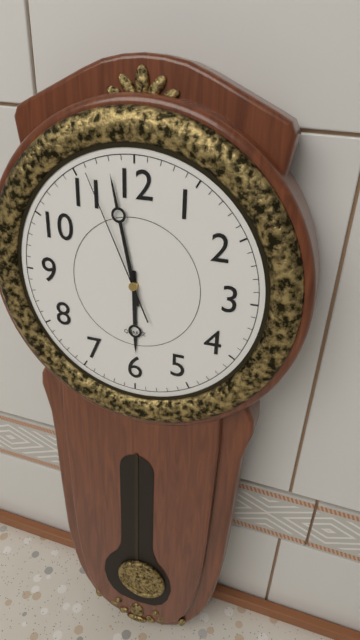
{"hour": 5, "minute": 58, "second": 56}
